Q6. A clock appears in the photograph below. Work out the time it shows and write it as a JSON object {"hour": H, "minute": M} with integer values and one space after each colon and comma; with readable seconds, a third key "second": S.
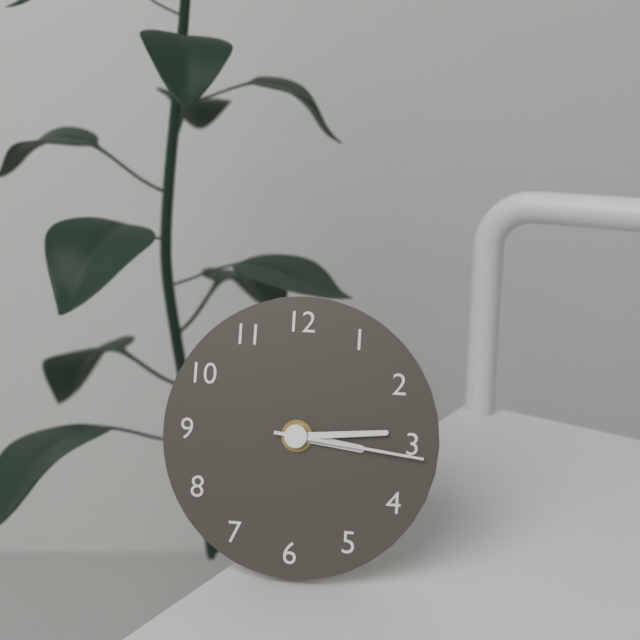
{"hour": 3, "minute": 14, "second": 16}
